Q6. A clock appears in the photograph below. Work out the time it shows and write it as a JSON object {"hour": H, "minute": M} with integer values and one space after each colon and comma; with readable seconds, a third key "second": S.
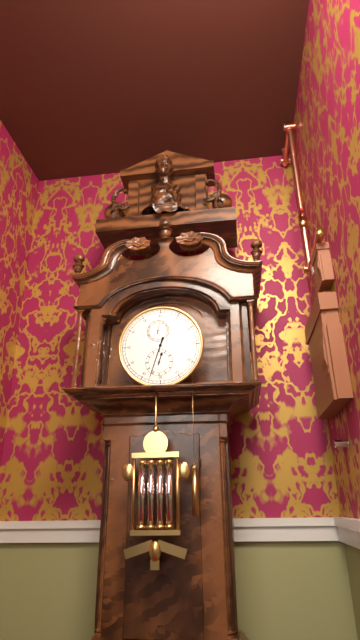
{"hour": 12, "minute": 33}
